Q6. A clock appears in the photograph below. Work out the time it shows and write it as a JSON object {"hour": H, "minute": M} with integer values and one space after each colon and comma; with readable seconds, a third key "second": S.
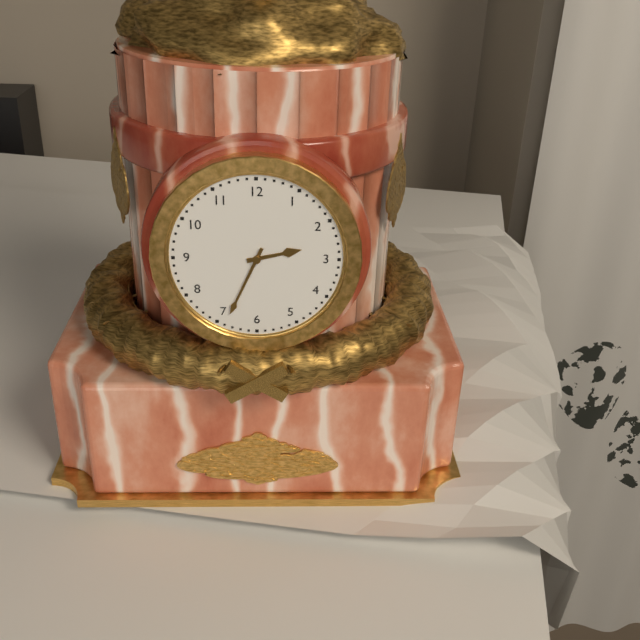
{"hour": 2, "minute": 34}
